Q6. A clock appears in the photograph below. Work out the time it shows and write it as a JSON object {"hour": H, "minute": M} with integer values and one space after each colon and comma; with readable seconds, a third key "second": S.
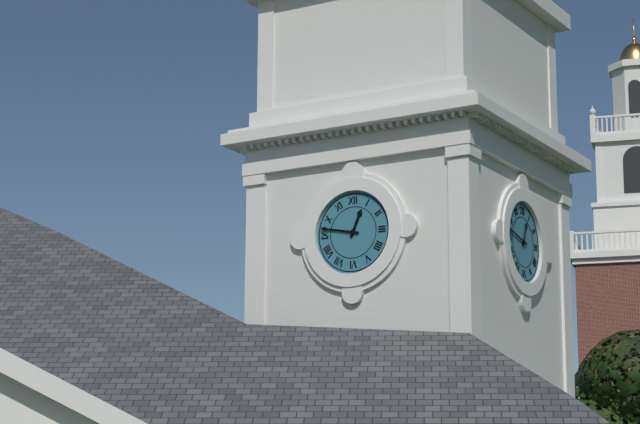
{"hour": 12, "minute": 47}
